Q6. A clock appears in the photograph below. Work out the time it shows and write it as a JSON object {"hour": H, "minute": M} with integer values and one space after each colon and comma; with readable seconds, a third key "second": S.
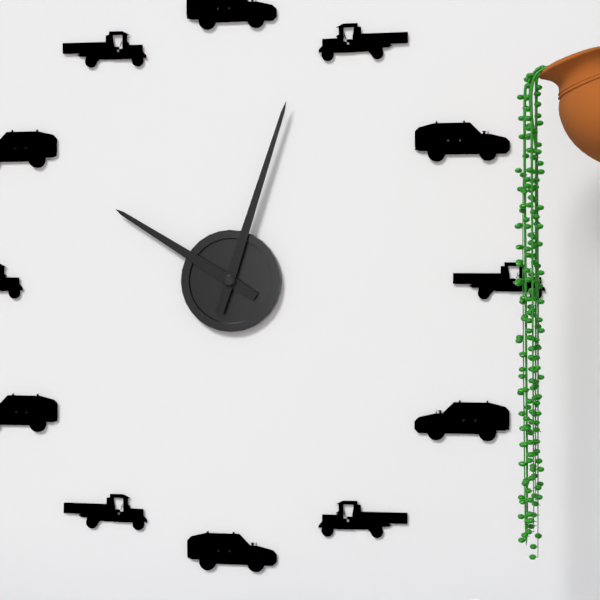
{"hour": 10, "minute": 3}
